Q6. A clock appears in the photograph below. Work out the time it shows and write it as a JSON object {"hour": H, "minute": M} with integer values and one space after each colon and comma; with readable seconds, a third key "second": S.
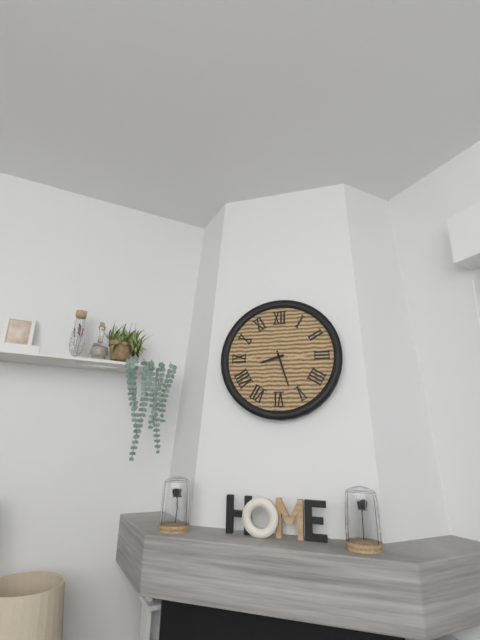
{"hour": 8, "minute": 27}
